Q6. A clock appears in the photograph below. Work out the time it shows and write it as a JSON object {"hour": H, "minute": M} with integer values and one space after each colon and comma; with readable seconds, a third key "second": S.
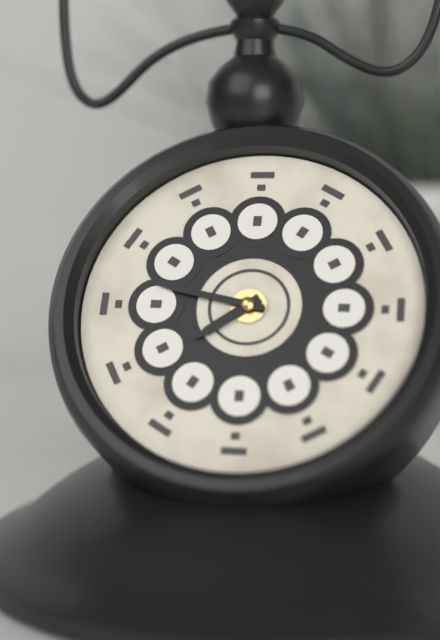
{"hour": 7, "minute": 47}
